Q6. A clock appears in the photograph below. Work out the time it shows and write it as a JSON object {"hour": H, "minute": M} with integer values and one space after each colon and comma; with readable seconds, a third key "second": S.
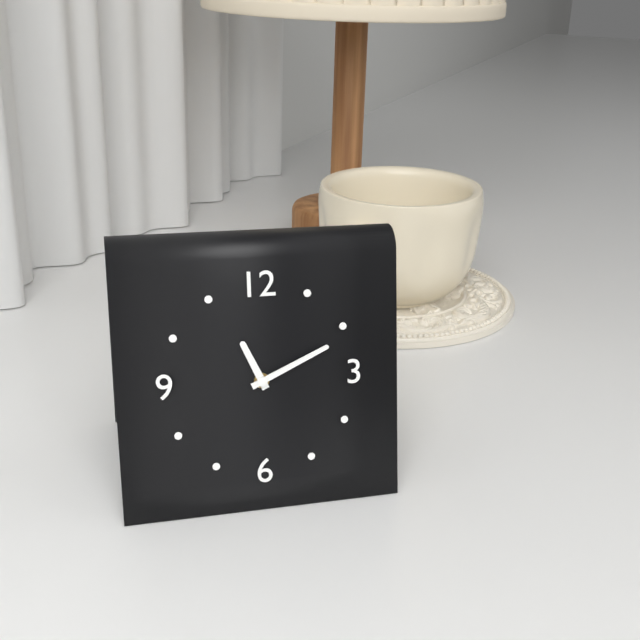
{"hour": 11, "minute": 11}
